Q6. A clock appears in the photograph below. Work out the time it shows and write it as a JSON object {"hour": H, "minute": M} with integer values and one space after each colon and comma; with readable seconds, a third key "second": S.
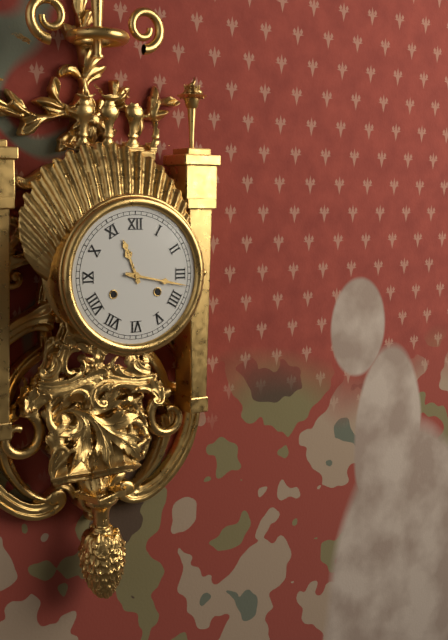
{"hour": 11, "minute": 17}
